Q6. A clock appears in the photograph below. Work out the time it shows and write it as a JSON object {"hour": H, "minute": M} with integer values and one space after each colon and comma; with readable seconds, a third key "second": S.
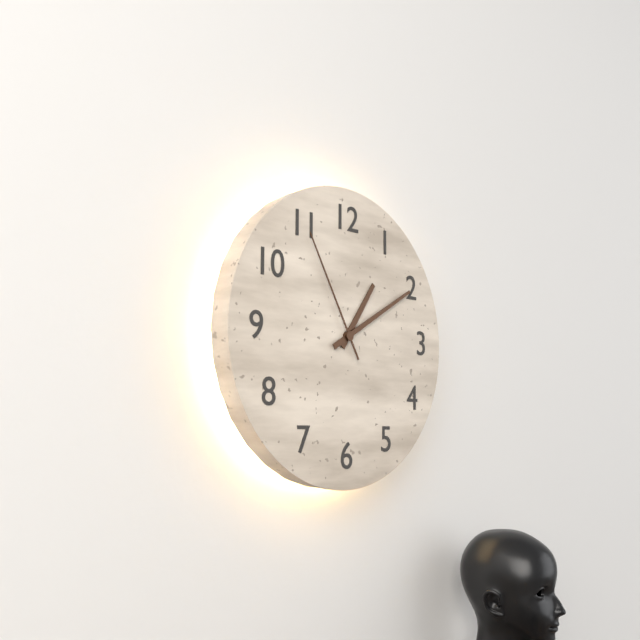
{"hour": 1, "minute": 10, "second": 55}
